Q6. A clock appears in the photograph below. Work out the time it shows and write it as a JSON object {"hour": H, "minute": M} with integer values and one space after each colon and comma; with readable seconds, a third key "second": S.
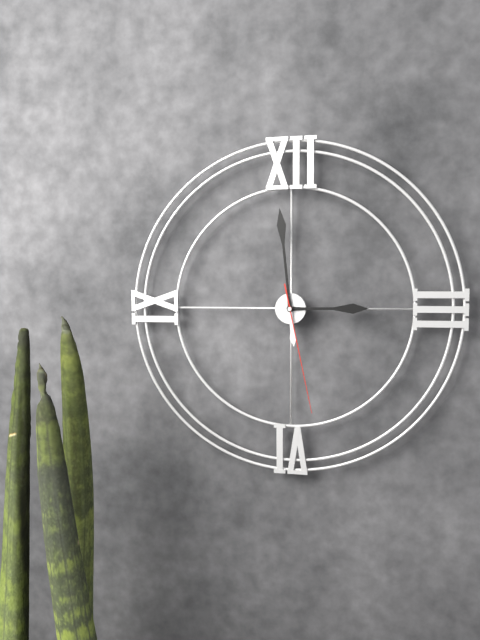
{"hour": 2, "minute": 59, "second": 28}
